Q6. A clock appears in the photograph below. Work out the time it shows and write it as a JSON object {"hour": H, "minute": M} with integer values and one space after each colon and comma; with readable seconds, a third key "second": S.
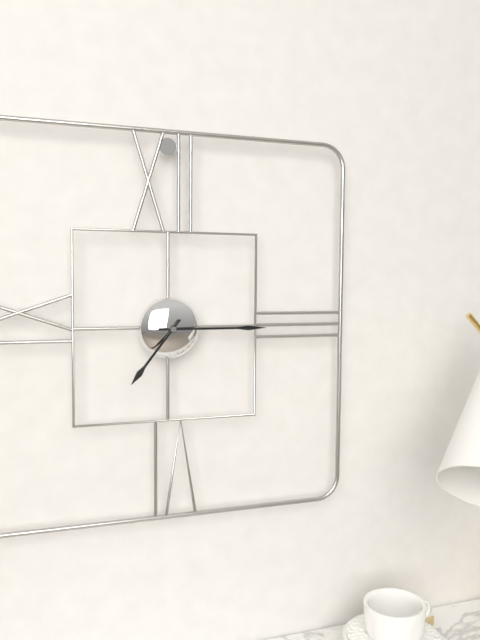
{"hour": 7, "minute": 15}
